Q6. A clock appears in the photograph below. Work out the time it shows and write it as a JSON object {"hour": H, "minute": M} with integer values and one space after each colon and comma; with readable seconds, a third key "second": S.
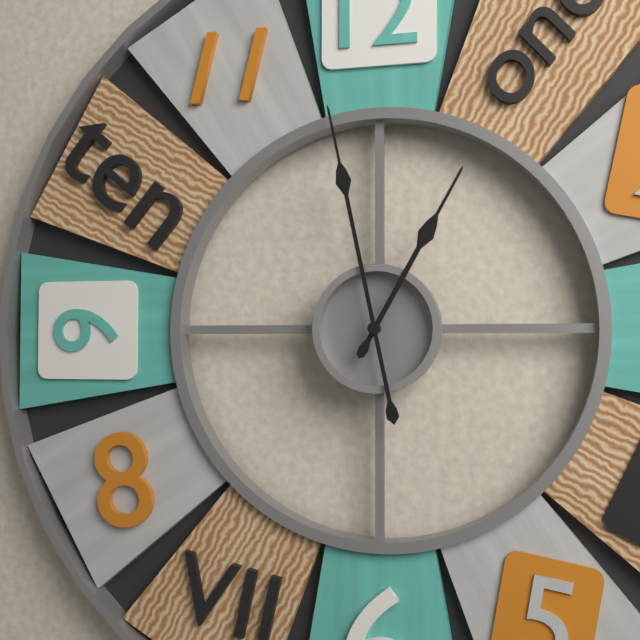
{"hour": 12, "minute": 58}
